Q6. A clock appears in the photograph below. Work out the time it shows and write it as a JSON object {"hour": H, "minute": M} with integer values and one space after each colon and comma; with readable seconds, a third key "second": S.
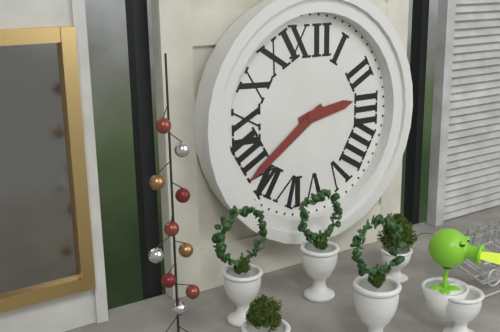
{"hour": 2, "minute": 39}
